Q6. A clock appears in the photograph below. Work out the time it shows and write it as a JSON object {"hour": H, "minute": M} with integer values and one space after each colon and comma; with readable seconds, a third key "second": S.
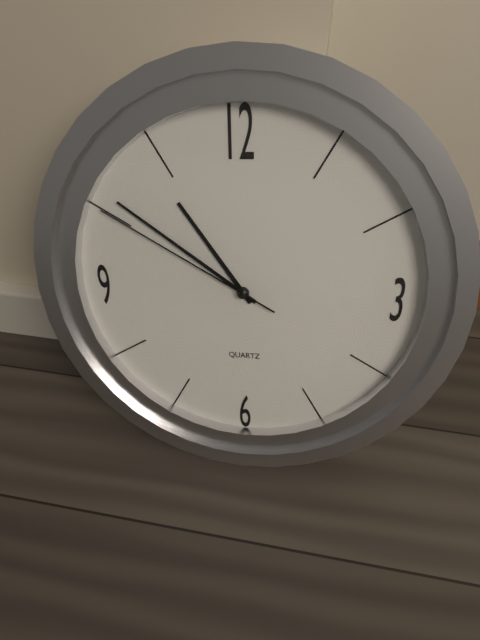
{"hour": 10, "minute": 51, "second": 50}
